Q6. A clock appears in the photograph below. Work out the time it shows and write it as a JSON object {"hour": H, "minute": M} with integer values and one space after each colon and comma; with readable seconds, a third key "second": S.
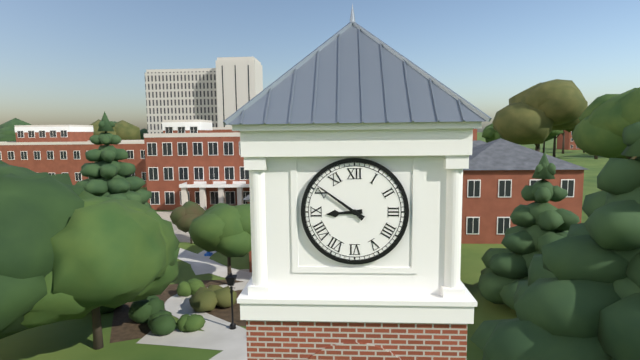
{"hour": 8, "minute": 51}
